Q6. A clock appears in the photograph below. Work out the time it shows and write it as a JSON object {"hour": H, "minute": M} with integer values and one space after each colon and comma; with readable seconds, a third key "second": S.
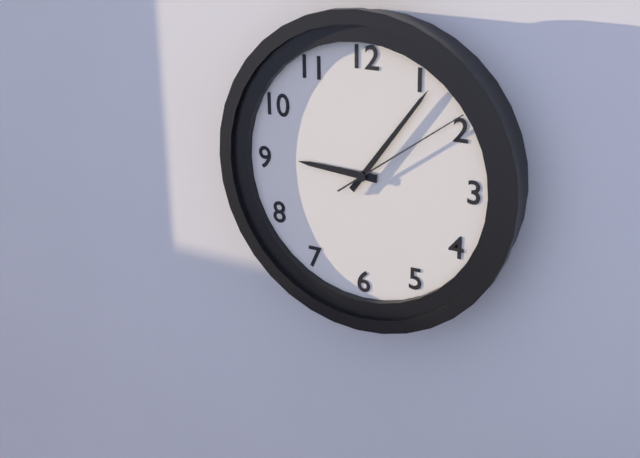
{"hour": 9, "minute": 6, "second": 9}
